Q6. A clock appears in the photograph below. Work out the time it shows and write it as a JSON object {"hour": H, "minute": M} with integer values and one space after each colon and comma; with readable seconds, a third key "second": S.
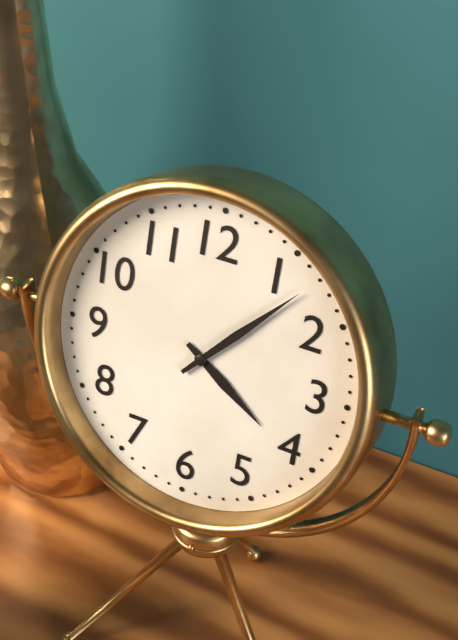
{"hour": 4, "minute": 7}
